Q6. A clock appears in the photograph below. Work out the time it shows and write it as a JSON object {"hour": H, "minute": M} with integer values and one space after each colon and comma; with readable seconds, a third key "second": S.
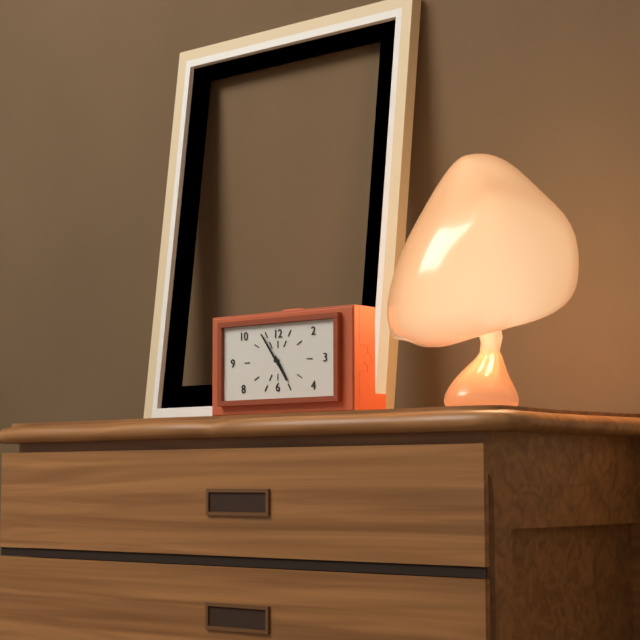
{"hour": 4, "minute": 54}
